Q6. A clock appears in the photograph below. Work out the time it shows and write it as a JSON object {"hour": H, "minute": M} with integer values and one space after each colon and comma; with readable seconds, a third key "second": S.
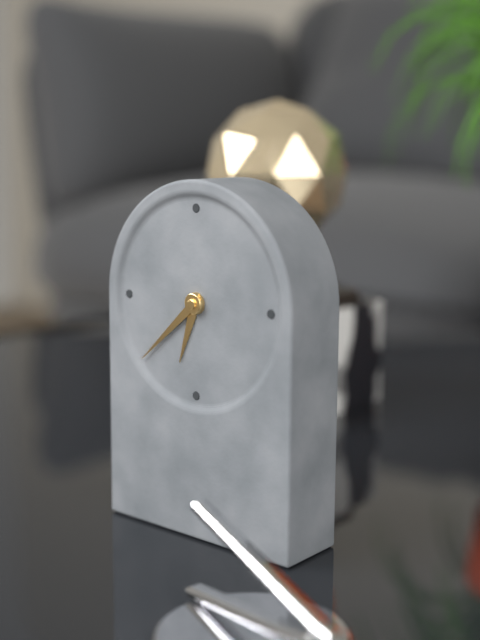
{"hour": 6, "minute": 38}
